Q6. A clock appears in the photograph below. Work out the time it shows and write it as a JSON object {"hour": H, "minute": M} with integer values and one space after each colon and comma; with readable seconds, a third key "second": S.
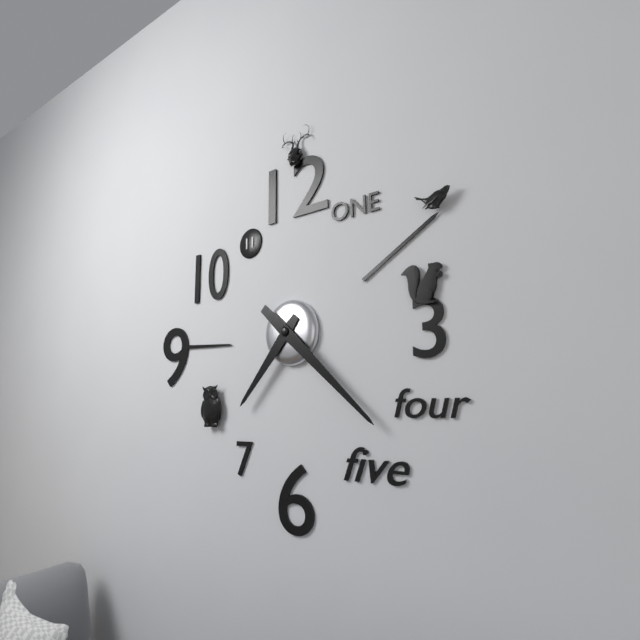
{"hour": 7, "minute": 22}
